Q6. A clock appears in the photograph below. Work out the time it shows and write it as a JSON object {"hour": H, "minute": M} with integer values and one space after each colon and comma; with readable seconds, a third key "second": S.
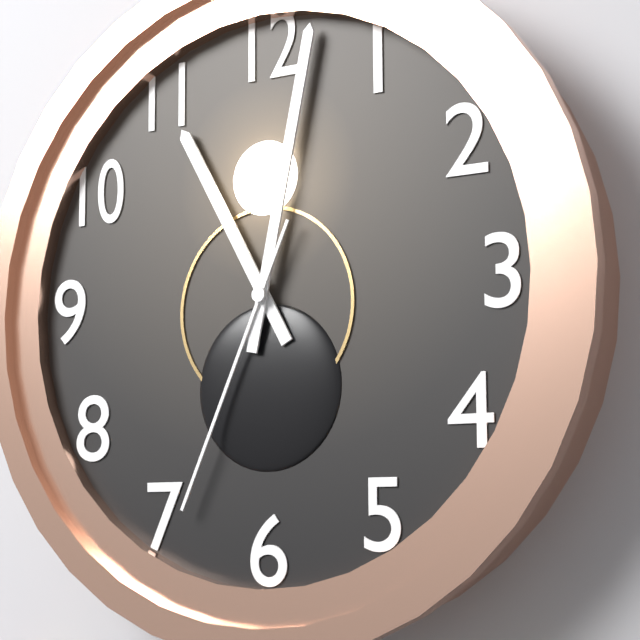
{"hour": 11, "minute": 2, "second": 34}
